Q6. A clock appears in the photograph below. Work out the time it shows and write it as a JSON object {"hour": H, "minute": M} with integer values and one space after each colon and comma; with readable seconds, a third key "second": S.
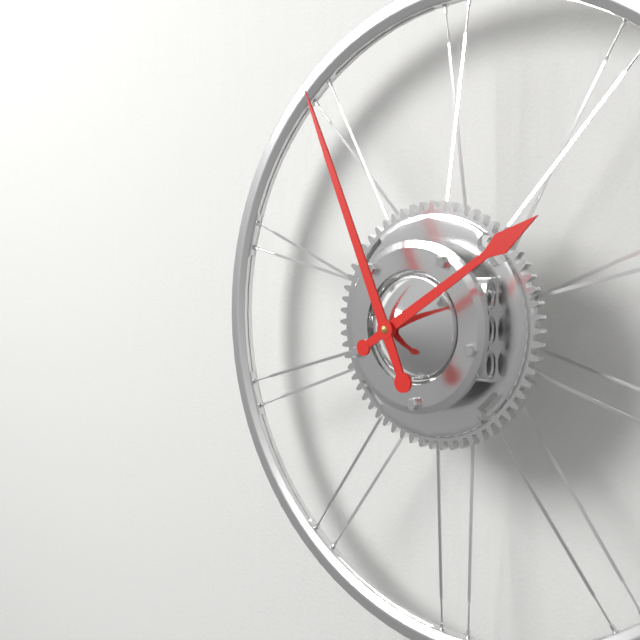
{"hour": 1, "minute": 56}
